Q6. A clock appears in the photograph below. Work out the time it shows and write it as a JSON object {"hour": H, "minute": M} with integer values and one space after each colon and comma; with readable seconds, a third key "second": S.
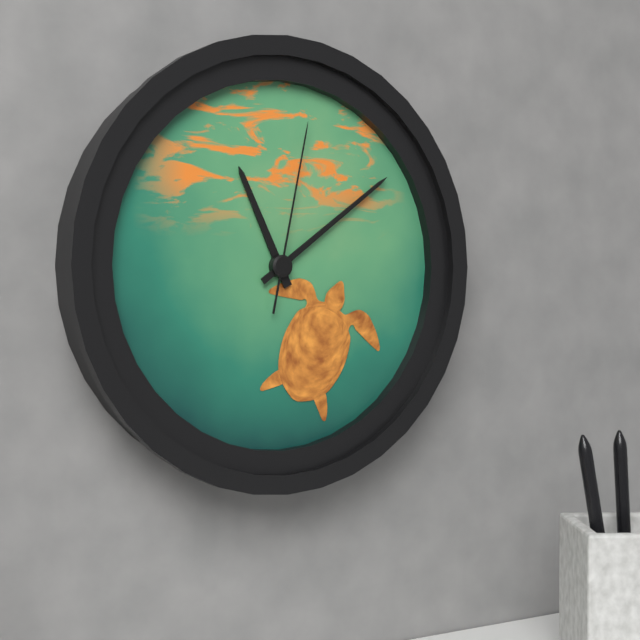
{"hour": 11, "minute": 9, "second": 2}
